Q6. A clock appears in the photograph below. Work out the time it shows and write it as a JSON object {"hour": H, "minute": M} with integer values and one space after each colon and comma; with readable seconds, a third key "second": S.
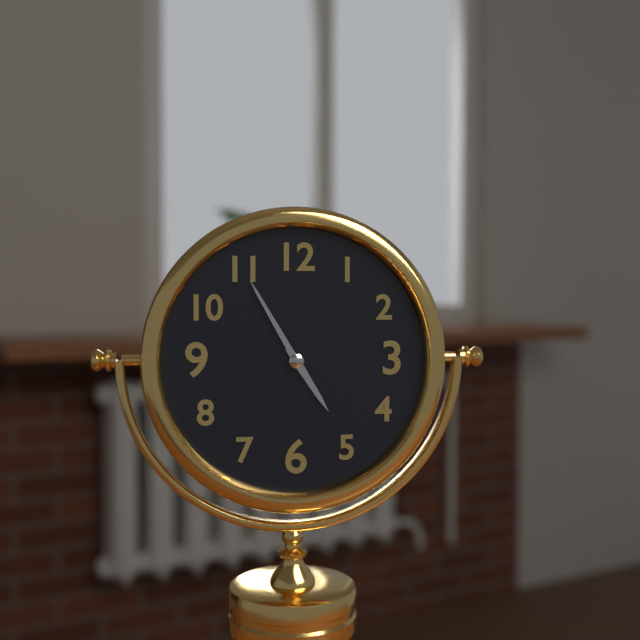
{"hour": 4, "minute": 55}
